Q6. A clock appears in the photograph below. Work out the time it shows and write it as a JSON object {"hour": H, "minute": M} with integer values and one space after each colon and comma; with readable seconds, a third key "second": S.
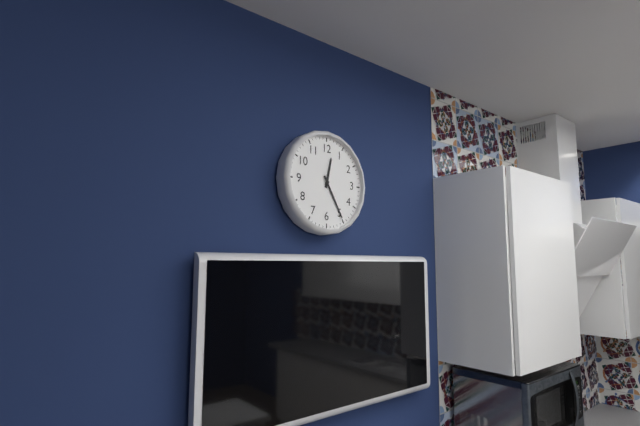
{"hour": 12, "minute": 25}
